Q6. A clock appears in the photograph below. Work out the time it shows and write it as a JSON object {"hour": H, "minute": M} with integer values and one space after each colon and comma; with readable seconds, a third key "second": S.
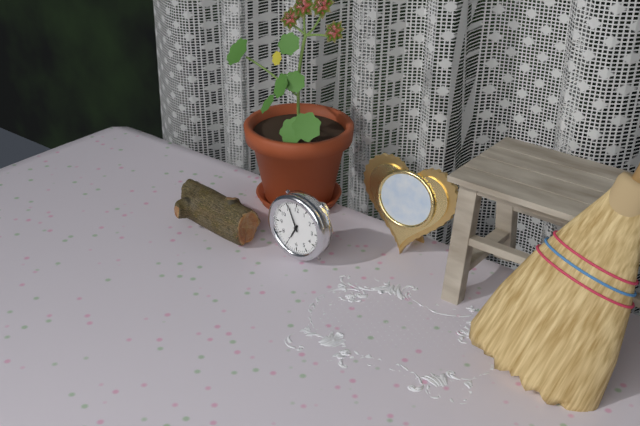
{"hour": 6, "minute": 56}
